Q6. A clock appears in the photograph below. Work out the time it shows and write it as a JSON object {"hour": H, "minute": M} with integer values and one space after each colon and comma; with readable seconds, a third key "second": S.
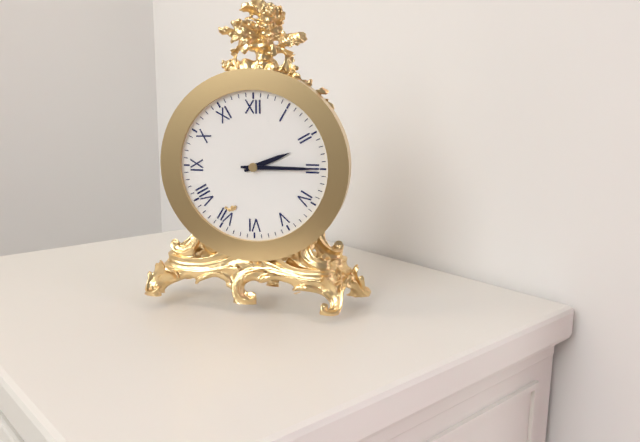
{"hour": 2, "minute": 15}
